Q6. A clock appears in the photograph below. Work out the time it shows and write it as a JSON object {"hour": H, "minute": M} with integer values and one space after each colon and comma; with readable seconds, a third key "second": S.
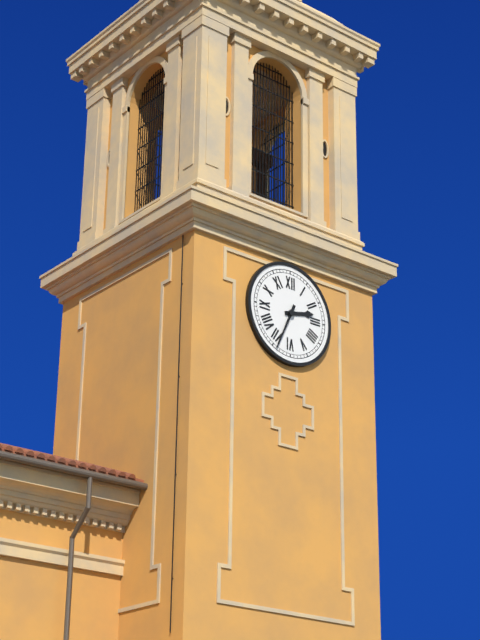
{"hour": 2, "minute": 34}
